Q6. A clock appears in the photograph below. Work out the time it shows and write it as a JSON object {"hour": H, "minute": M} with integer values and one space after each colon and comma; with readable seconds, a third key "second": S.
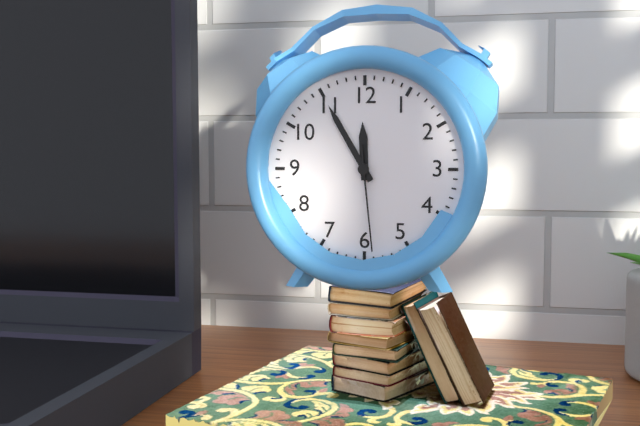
{"hour": 11, "minute": 55, "second": 29}
